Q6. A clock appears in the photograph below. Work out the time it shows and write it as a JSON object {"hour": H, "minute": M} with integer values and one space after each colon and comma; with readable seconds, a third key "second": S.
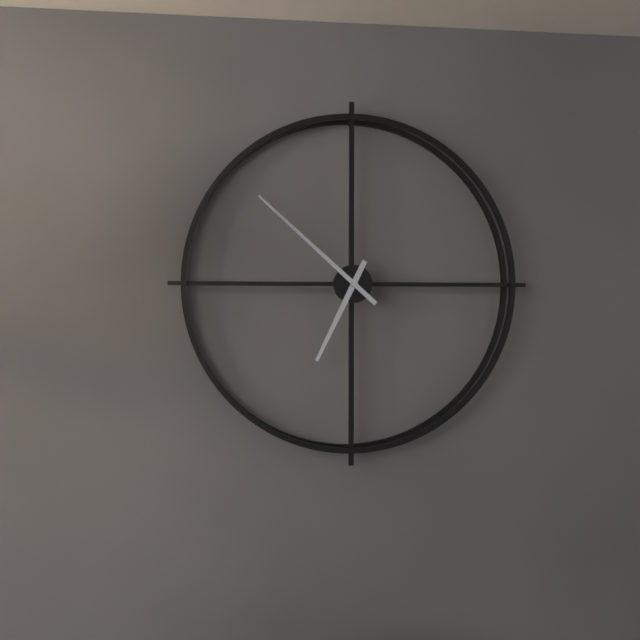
{"hour": 6, "minute": 52}
